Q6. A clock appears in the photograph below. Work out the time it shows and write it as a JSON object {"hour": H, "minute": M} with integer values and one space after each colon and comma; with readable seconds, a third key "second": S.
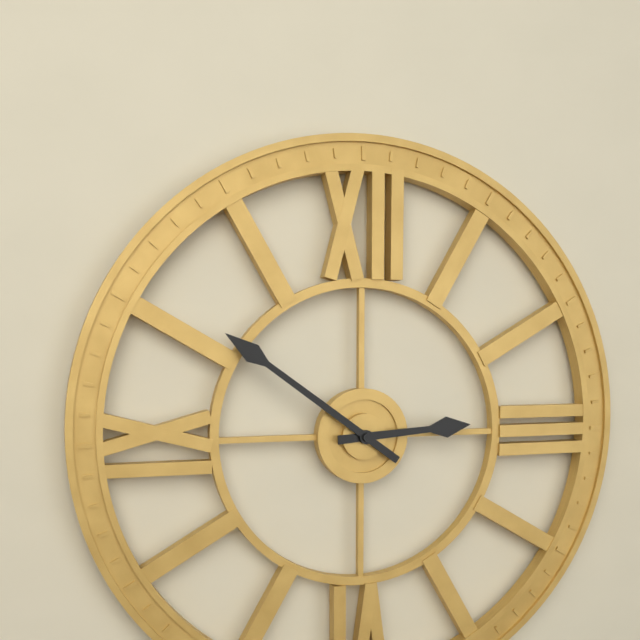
{"hour": 2, "minute": 51}
